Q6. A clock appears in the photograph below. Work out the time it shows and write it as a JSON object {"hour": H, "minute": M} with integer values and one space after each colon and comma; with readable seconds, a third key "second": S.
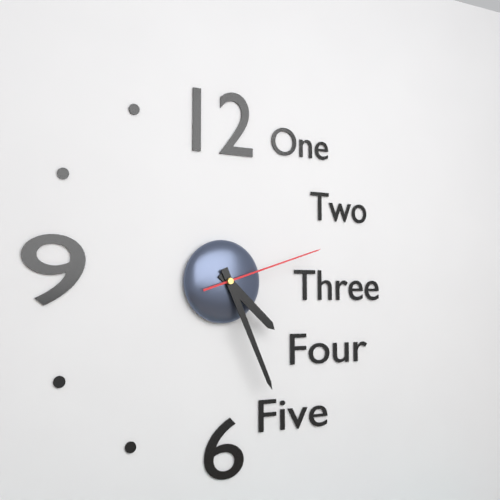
{"hour": 4, "minute": 26, "second": 12}
